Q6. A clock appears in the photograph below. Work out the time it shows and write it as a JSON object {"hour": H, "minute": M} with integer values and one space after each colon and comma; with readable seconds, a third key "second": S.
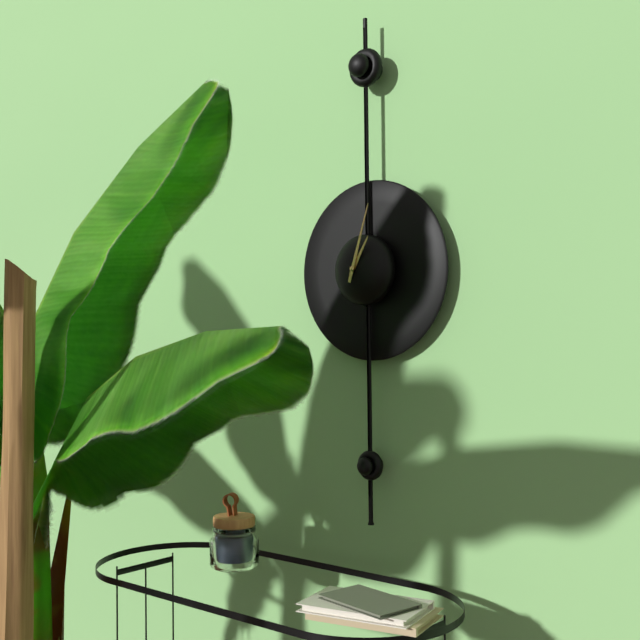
{"hour": 1, "minute": 3}
